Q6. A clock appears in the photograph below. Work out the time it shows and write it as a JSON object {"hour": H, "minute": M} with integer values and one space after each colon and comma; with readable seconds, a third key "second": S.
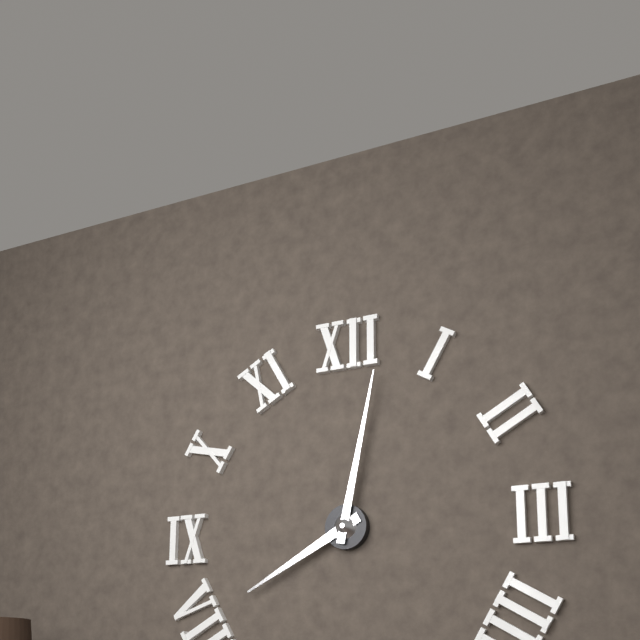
{"hour": 8, "minute": 2}
